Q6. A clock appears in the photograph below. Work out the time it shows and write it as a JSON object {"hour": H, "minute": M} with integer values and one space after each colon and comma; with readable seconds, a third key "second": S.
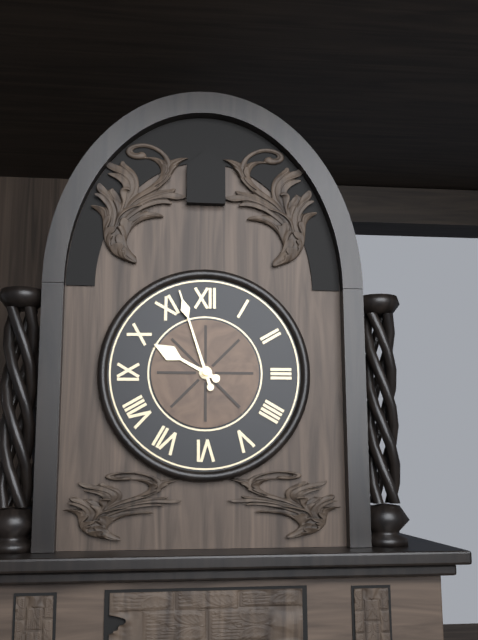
{"hour": 9, "minute": 57}
